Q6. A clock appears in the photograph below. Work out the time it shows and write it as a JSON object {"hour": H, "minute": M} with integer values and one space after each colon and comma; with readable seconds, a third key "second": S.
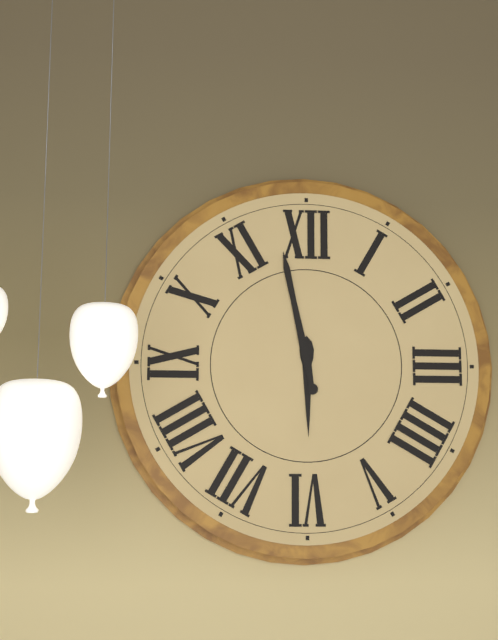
{"hour": 5, "minute": 58}
